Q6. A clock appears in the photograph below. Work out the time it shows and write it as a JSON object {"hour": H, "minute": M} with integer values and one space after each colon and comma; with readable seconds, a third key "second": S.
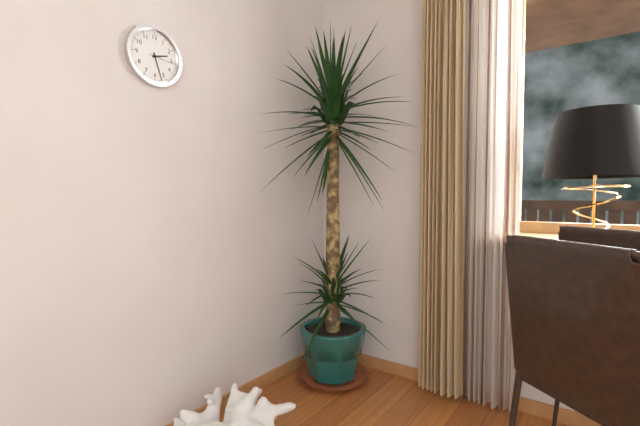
{"hour": 2, "minute": 27}
